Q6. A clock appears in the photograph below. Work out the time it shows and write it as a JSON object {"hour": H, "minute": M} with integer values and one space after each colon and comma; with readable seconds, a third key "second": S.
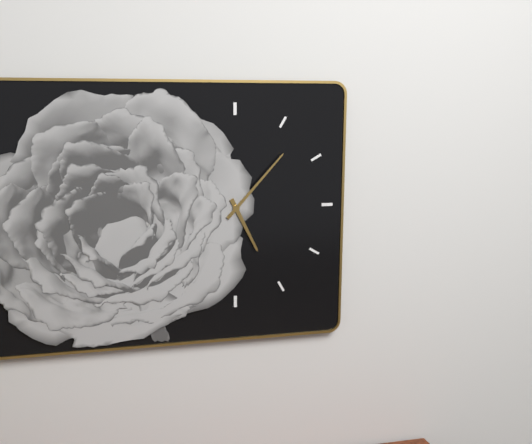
{"hour": 5, "minute": 7}
